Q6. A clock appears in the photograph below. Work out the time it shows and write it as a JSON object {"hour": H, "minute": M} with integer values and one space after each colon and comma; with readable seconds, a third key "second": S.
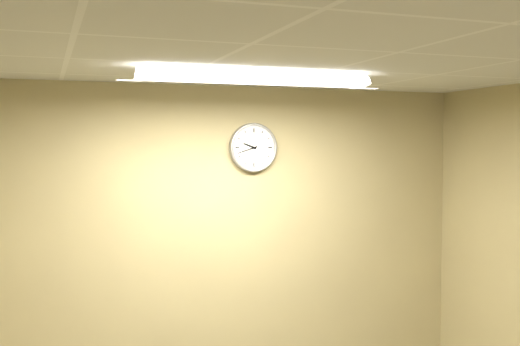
{"hour": 9, "minute": 42}
